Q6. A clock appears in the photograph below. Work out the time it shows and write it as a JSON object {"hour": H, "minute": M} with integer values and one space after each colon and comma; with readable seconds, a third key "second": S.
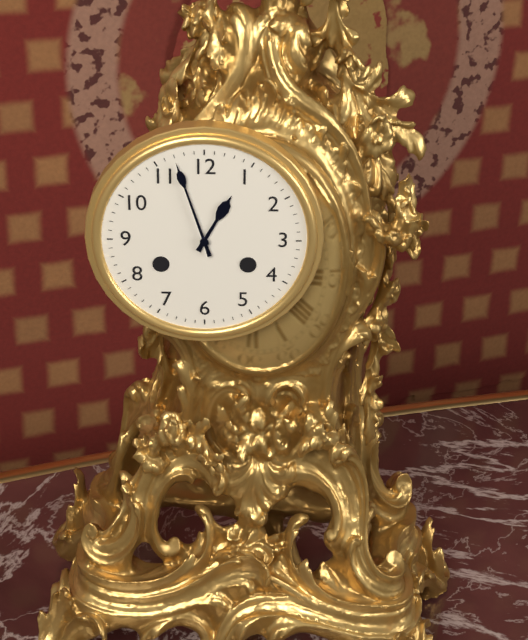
{"hour": 12, "minute": 57}
